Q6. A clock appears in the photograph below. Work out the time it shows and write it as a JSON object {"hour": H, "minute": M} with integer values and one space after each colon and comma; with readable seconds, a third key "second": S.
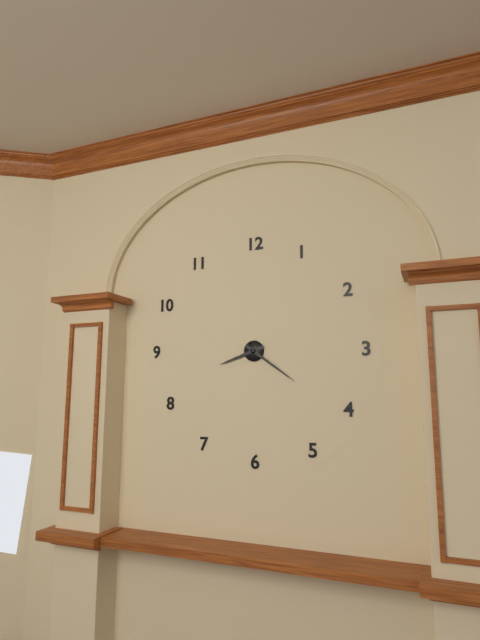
{"hour": 8, "minute": 21}
